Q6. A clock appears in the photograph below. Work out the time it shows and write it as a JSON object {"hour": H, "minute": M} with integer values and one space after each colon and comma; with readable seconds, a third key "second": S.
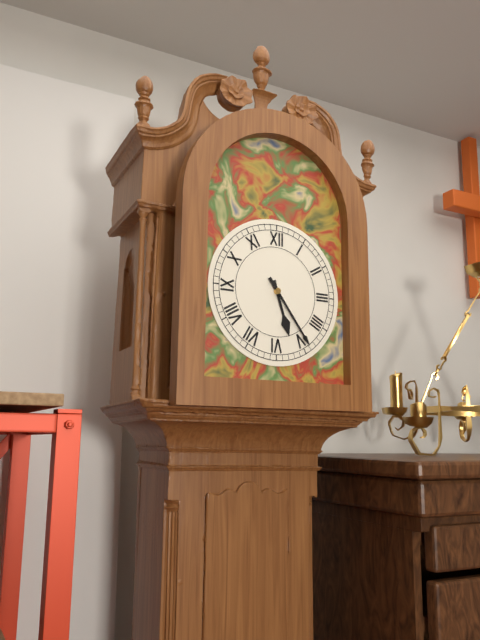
{"hour": 5, "minute": 24}
